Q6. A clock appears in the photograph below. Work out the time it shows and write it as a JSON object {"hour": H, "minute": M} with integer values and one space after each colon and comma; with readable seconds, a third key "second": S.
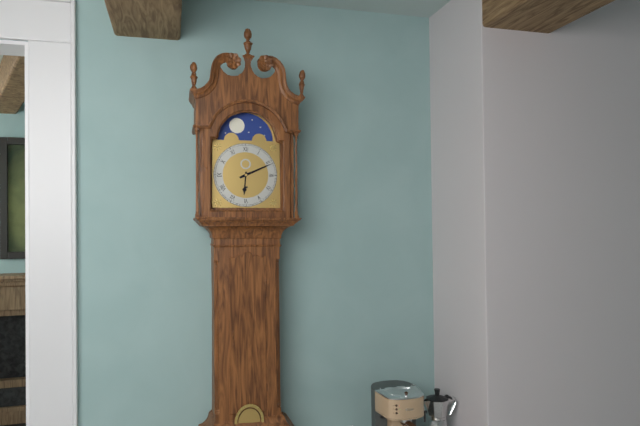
{"hour": 6, "minute": 11}
